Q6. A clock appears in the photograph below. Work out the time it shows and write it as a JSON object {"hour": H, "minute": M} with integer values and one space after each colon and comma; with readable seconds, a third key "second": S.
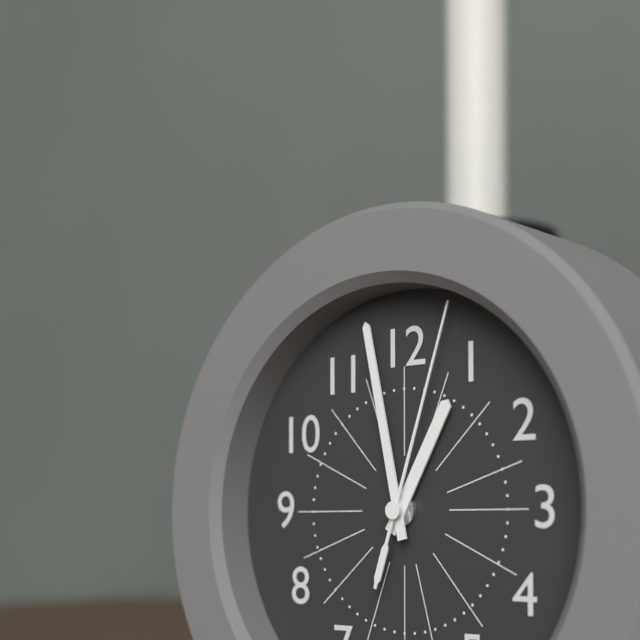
{"hour": 12, "minute": 58, "second": 3}
